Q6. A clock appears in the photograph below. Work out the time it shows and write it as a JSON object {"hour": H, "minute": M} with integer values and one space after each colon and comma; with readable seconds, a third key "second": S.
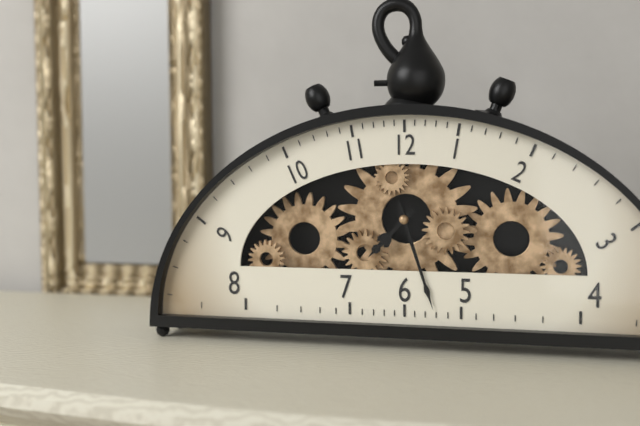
{"hour": 7, "minute": 27}
